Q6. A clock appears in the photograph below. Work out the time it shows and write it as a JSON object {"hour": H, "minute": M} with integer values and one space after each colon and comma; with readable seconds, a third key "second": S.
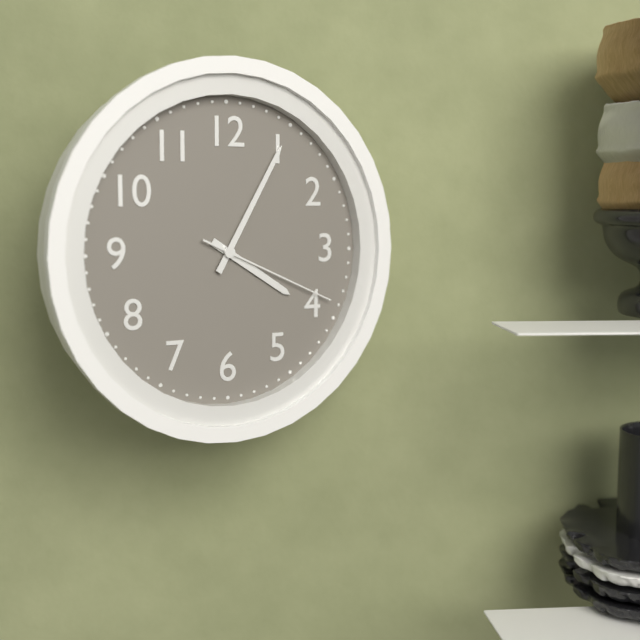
{"hour": 4, "minute": 5, "second": 19}
